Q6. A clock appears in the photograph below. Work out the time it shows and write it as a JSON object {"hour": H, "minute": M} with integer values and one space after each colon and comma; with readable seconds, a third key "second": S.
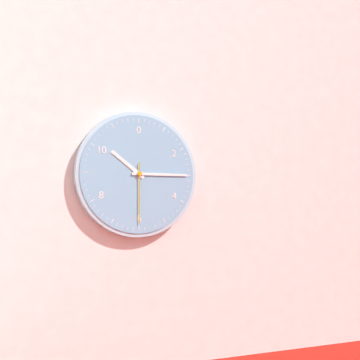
{"hour": 10, "minute": 15, "second": 30}
